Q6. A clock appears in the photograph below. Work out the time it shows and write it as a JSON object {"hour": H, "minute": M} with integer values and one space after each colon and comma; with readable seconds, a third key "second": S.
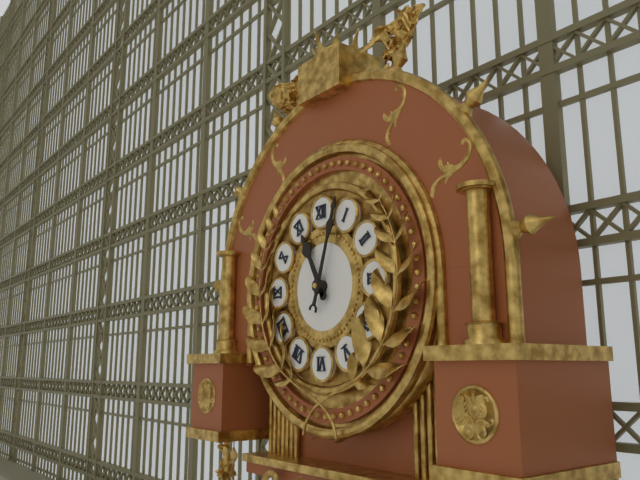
{"hour": 11, "minute": 3}
